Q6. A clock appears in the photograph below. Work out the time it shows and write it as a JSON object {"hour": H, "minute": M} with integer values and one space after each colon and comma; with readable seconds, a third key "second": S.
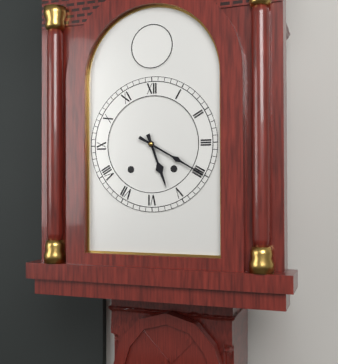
{"hour": 5, "minute": 20}
